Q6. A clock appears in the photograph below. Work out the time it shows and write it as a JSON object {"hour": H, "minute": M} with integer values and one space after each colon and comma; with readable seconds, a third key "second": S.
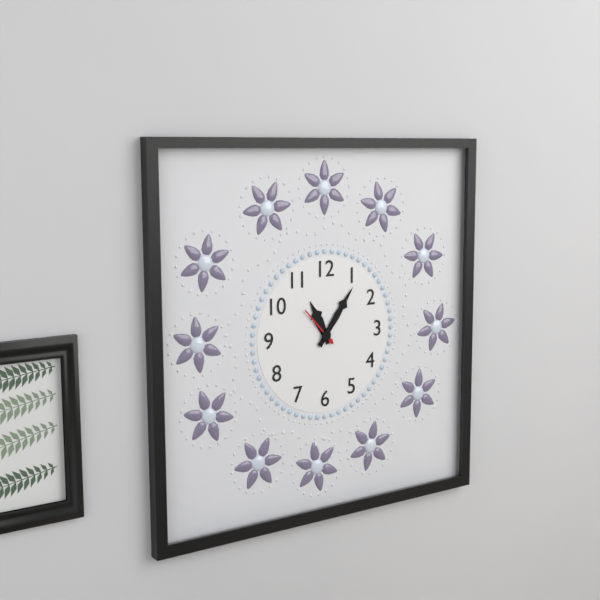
{"hour": 11, "minute": 6}
